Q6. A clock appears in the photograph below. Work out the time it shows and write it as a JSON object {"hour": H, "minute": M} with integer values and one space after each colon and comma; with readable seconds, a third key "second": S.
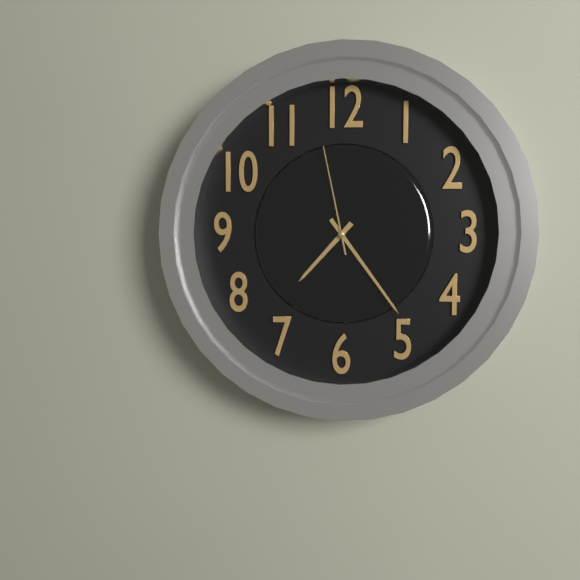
{"hour": 7, "minute": 24, "second": 58}
